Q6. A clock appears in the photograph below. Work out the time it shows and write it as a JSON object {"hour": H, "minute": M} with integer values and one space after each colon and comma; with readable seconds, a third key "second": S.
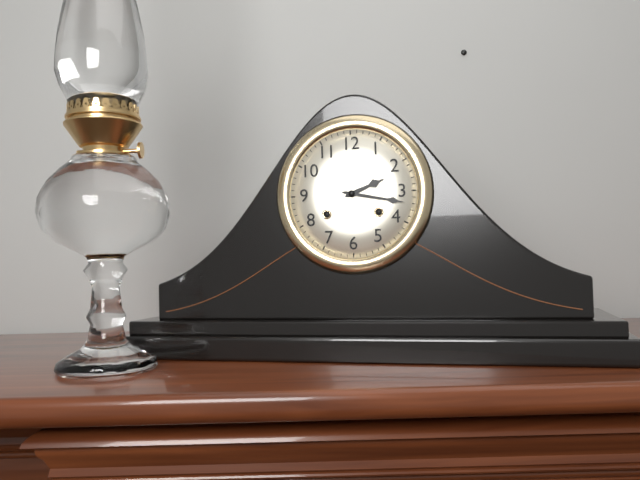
{"hour": 2, "minute": 17}
